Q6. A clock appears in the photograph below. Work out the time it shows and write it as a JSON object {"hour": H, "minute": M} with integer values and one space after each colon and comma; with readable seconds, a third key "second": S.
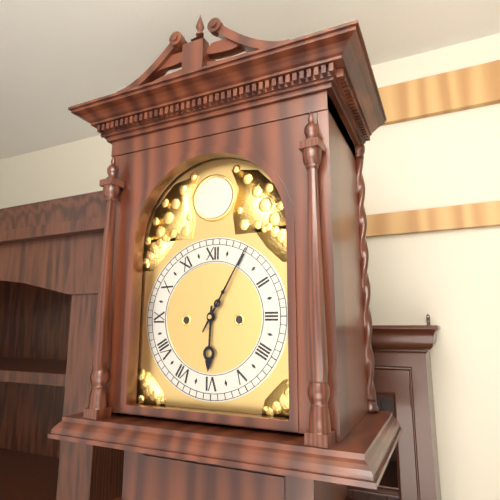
{"hour": 6, "minute": 5}
